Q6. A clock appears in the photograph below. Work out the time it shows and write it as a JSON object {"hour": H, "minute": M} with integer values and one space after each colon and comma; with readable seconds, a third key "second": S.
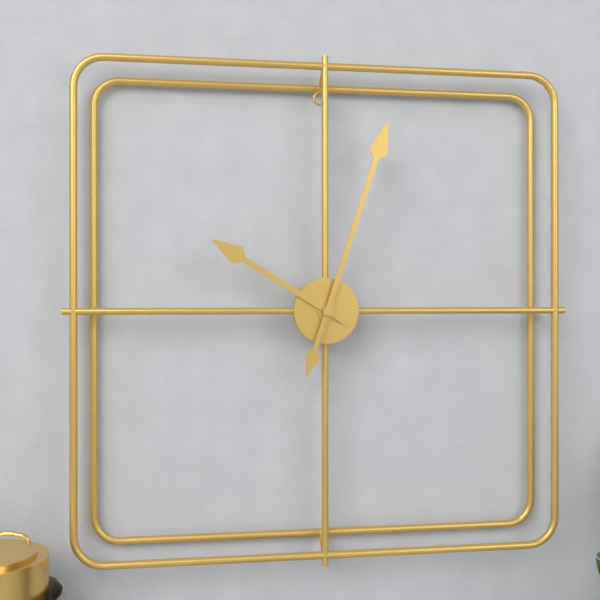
{"hour": 10, "minute": 3}
